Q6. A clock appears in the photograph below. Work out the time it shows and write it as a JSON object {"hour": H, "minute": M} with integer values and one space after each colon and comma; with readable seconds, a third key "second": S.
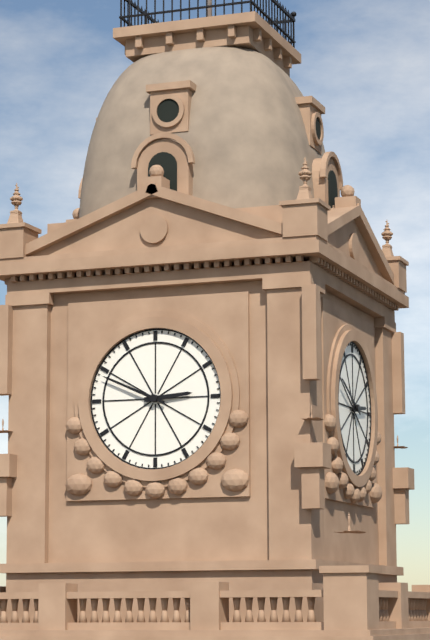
{"hour": 2, "minute": 49}
